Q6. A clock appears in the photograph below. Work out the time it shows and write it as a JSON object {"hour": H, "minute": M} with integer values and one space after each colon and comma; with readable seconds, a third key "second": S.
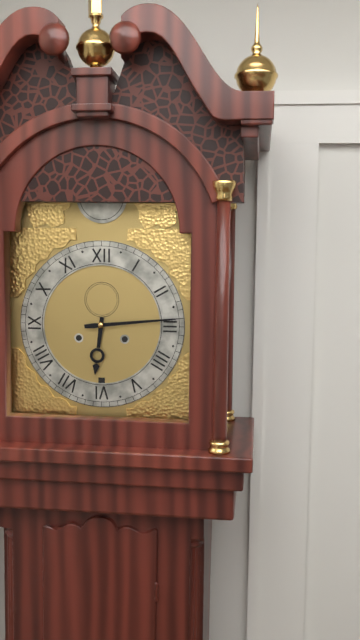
{"hour": 6, "minute": 14}
